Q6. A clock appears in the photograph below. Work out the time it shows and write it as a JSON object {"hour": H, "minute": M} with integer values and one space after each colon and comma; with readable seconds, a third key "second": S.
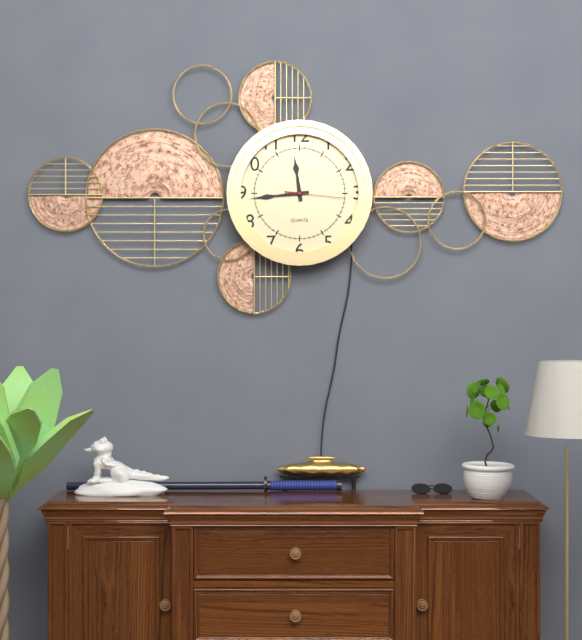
{"hour": 11, "minute": 44, "second": 16}
